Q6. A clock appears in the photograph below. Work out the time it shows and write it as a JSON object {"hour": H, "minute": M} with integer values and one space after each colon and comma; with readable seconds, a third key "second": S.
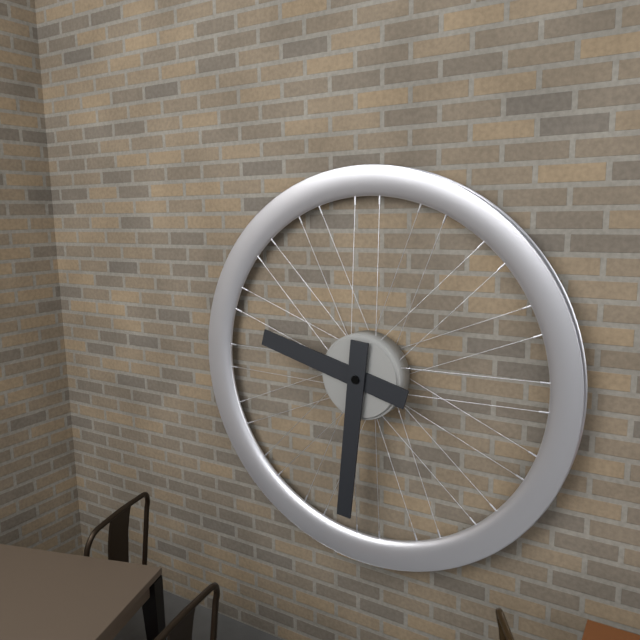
{"hour": 9, "minute": 31}
